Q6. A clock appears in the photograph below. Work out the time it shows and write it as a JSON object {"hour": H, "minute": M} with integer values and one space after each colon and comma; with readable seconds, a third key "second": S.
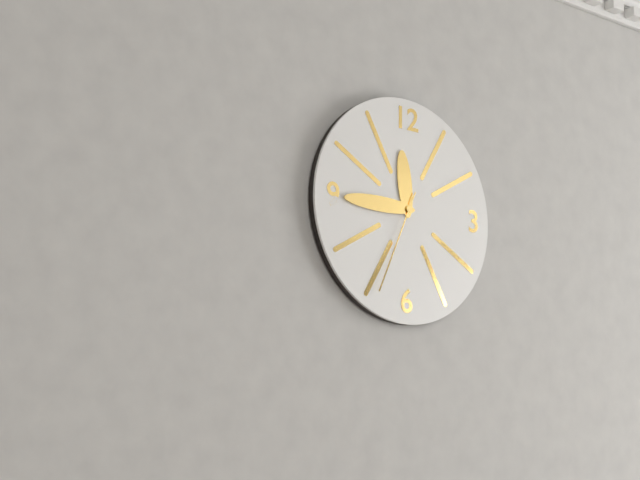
{"hour": 11, "minute": 45, "second": 34}
